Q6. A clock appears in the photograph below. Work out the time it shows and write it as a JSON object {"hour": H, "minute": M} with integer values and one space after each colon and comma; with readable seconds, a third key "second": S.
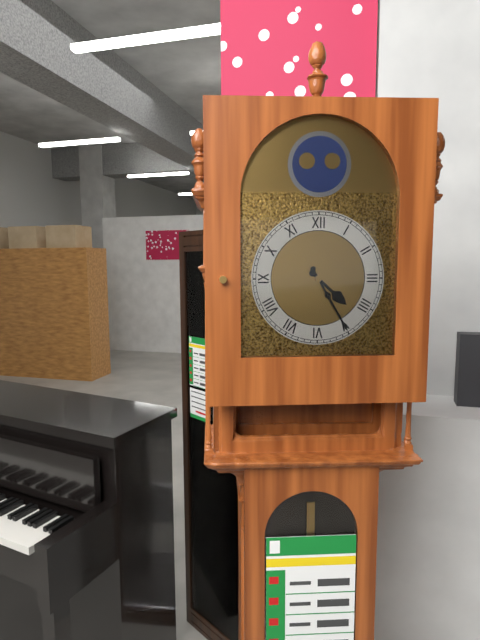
{"hour": 4, "minute": 25}
